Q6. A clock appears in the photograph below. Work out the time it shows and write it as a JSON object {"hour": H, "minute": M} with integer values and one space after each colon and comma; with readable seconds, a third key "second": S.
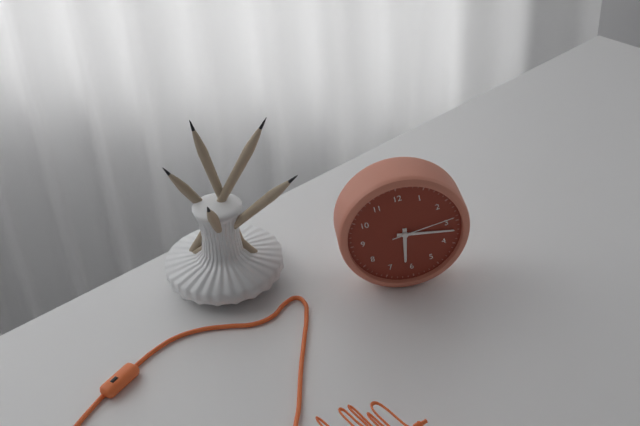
{"hour": 6, "minute": 17, "second": 14}
